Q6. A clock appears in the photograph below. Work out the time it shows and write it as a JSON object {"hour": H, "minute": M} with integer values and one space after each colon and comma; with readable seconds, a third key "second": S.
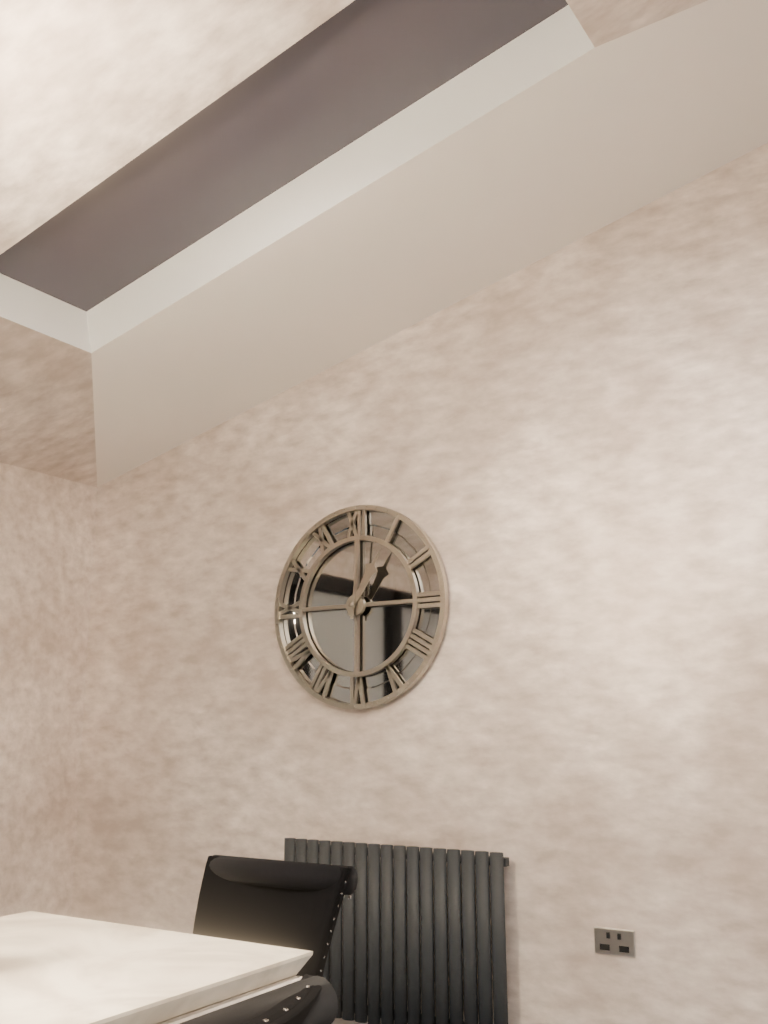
{"hour": 1, "minute": 1}
